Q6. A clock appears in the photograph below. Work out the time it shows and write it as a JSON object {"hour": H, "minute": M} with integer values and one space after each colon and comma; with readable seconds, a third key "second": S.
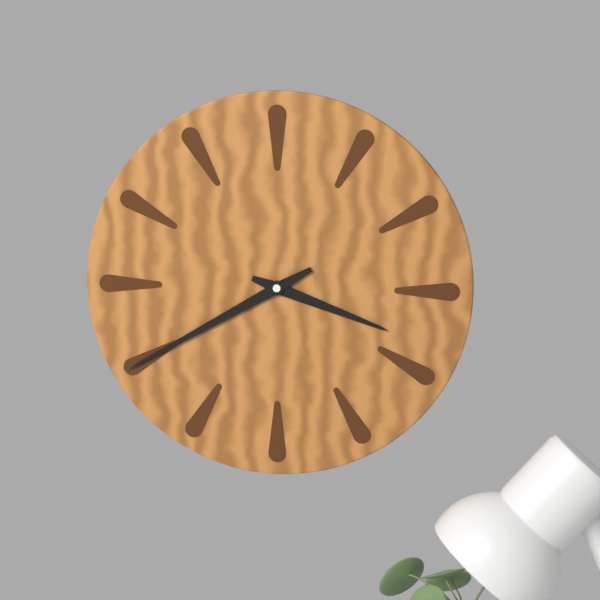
{"hour": 3, "minute": 40}
